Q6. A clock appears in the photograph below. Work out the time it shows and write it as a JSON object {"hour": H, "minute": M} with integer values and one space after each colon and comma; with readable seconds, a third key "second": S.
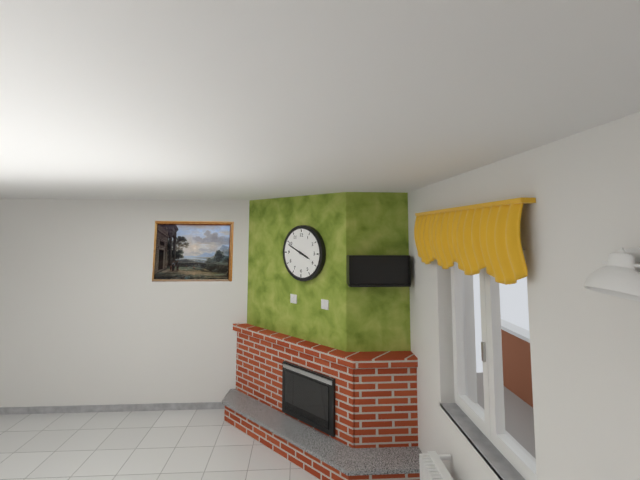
{"hour": 3, "minute": 49}
